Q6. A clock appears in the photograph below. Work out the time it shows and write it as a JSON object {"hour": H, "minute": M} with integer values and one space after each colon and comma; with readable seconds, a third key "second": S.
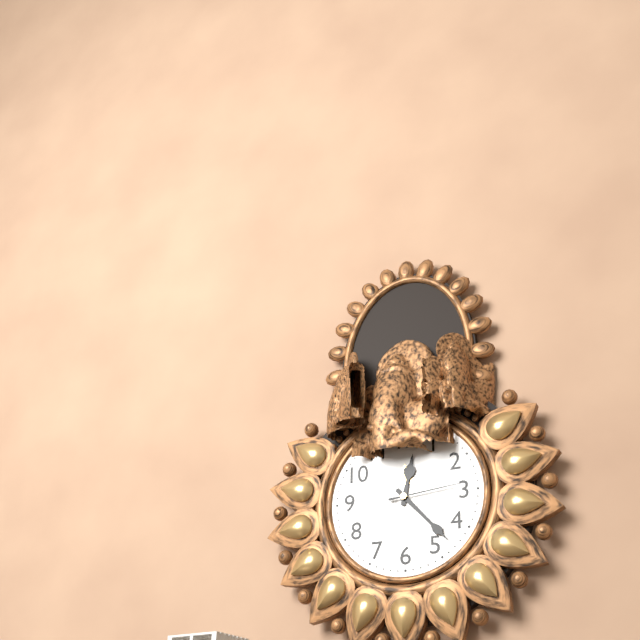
{"hour": 12, "minute": 23, "second": 14}
